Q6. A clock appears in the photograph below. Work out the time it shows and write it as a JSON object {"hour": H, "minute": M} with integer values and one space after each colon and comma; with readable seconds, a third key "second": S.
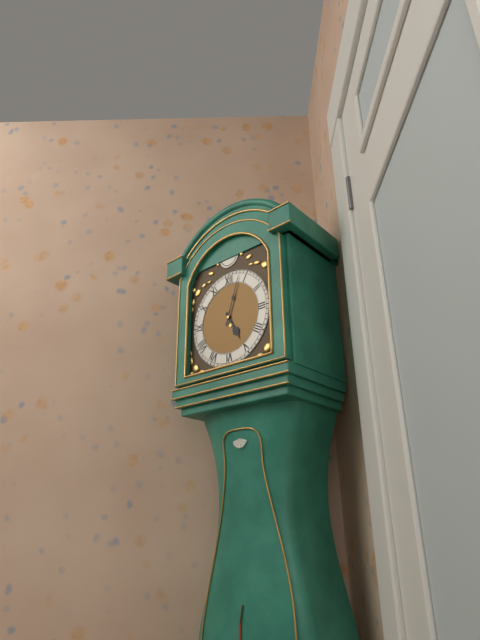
{"hour": 5, "minute": 3}
